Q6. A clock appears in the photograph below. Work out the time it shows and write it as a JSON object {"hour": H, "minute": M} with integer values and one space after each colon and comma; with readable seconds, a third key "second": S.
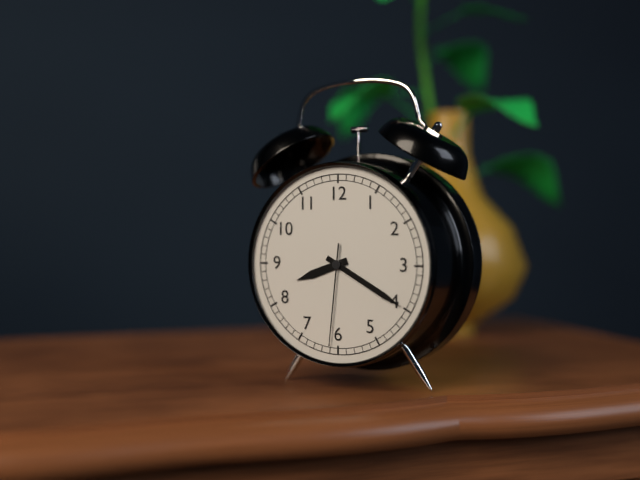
{"hour": 8, "minute": 20, "second": 31}
